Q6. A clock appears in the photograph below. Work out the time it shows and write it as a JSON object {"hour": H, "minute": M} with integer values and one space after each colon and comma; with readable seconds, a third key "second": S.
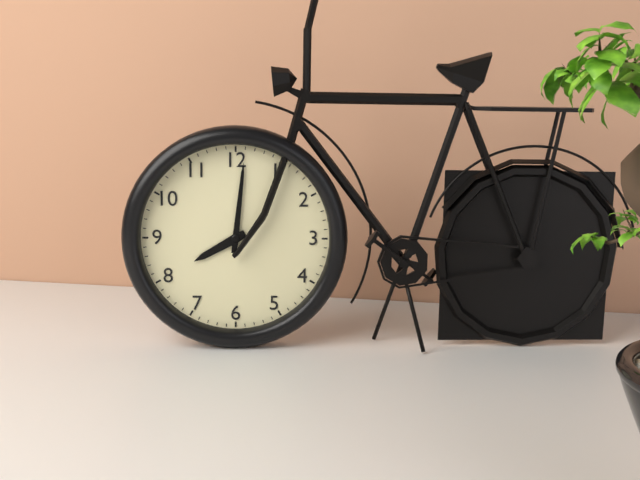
{"hour": 8, "minute": 1}
